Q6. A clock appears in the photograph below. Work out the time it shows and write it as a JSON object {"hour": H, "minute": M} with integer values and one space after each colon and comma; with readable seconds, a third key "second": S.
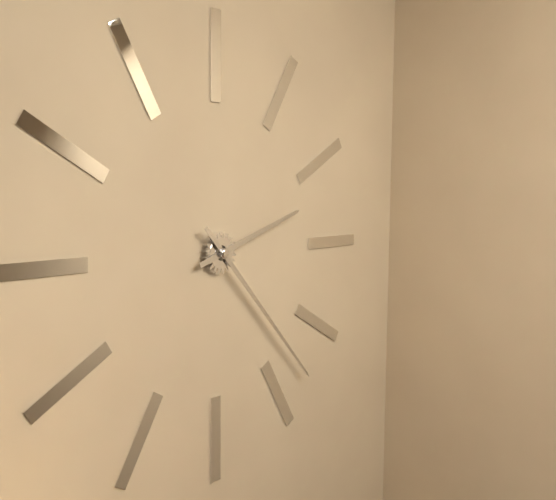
{"hour": 2, "minute": 23}
